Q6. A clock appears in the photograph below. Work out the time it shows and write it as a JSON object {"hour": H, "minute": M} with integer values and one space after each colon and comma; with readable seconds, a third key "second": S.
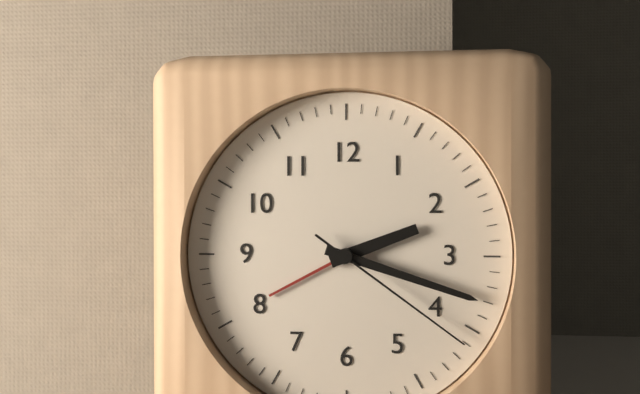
{"hour": 2, "minute": 18, "second": 21}
